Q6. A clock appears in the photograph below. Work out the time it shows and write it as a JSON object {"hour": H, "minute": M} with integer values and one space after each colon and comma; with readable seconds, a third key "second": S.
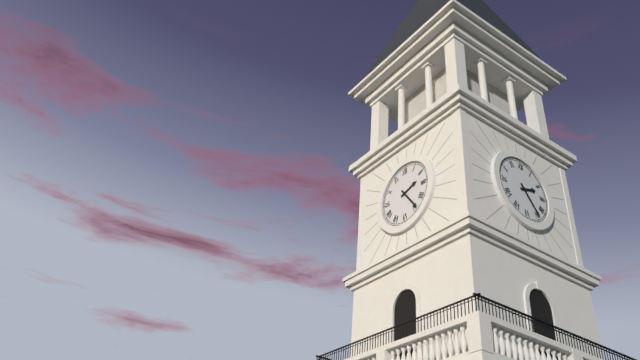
{"hour": 2, "minute": 24}
